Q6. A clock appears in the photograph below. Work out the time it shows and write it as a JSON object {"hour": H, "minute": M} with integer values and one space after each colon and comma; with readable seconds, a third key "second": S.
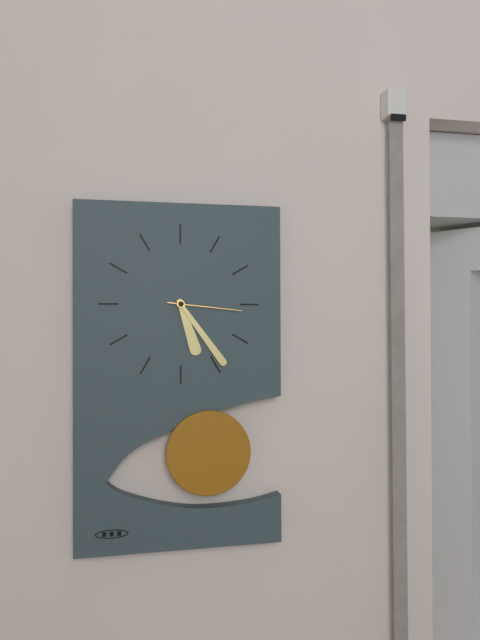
{"hour": 5, "minute": 24, "second": 16}
